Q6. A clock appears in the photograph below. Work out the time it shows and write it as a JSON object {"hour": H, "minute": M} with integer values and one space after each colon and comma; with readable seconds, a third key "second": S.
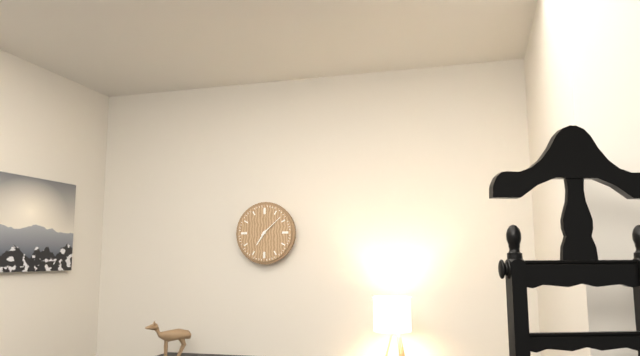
{"hour": 7, "minute": 8}
